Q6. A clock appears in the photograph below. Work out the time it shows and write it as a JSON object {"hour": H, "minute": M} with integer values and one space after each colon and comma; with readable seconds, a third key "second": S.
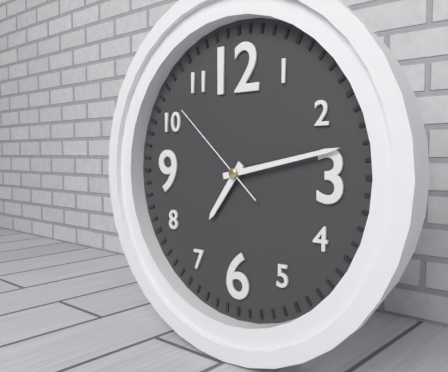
{"hour": 7, "minute": 13, "second": 52}
